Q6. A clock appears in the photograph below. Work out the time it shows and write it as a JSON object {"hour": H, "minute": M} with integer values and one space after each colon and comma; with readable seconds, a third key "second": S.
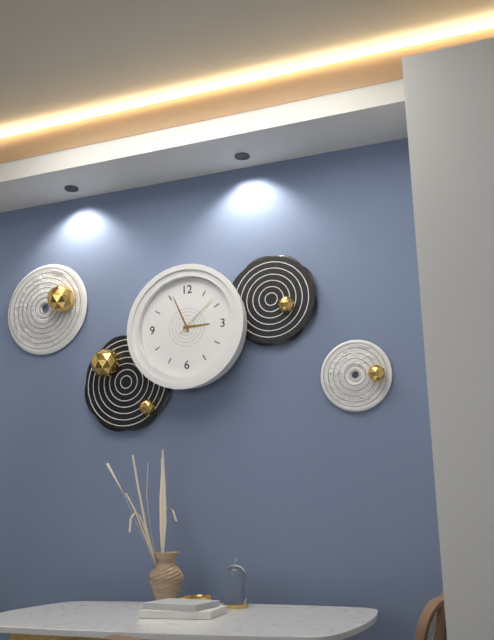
{"hour": 2, "minute": 56}
